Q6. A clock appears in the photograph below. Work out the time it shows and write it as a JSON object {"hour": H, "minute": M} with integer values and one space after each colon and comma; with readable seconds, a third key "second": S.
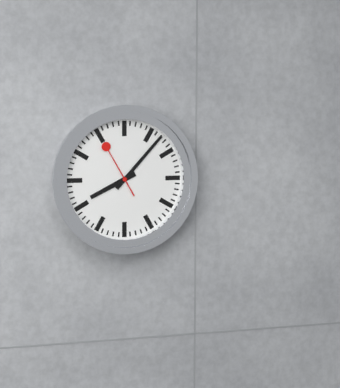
{"hour": 8, "minute": 7, "second": 55}
